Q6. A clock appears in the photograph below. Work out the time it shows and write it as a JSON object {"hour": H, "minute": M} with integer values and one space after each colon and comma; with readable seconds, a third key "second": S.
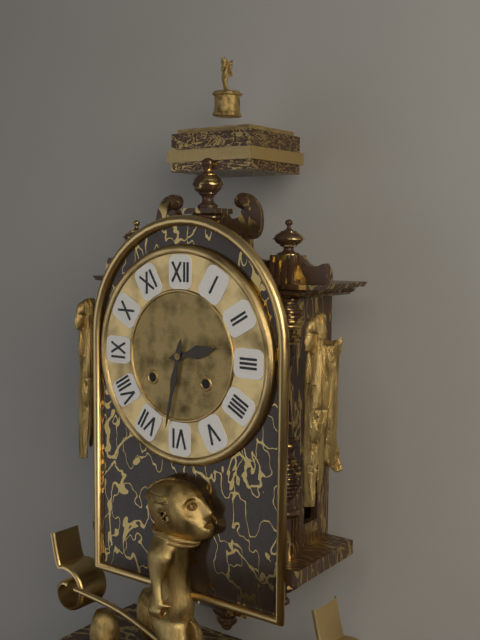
{"hour": 2, "minute": 32}
